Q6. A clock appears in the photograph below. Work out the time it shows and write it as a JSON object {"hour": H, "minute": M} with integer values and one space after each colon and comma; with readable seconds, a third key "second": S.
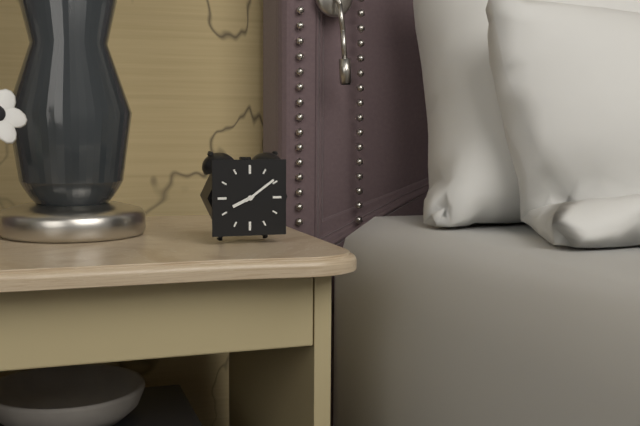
{"hour": 8, "minute": 9}
